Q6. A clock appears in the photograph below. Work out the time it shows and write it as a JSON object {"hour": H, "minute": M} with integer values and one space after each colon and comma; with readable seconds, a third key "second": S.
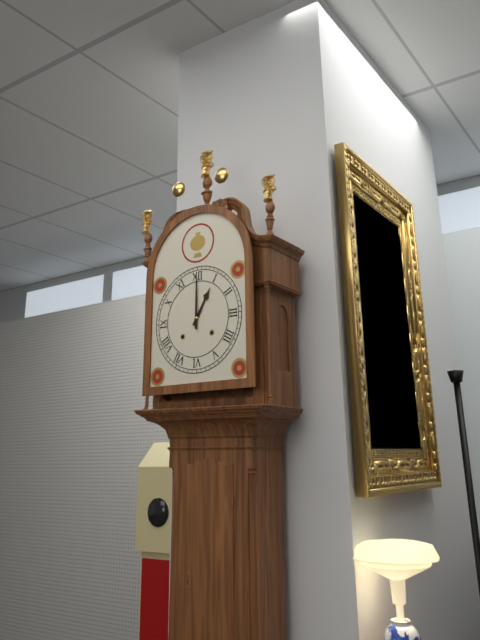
{"hour": 1, "minute": 0}
